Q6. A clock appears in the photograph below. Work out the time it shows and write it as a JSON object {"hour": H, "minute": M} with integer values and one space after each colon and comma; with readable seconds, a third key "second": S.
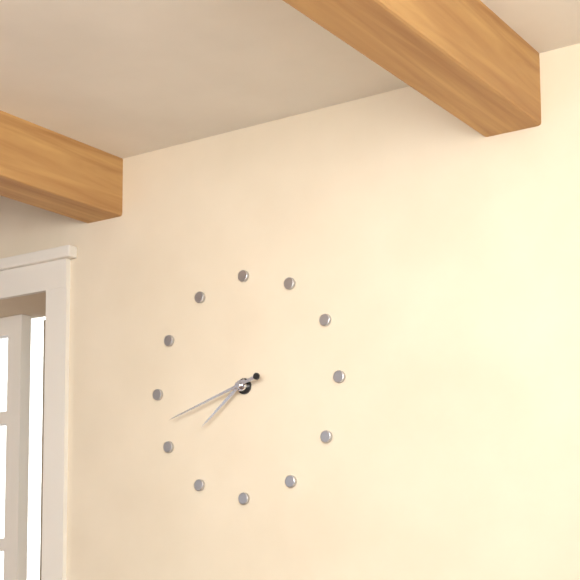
{"hour": 7, "minute": 42}
